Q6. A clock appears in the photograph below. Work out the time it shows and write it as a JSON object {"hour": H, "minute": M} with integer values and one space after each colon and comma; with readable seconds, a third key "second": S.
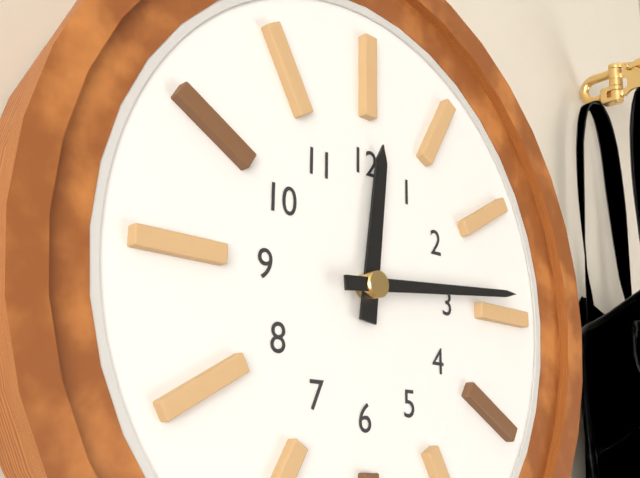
{"hour": 12, "minute": 14}
